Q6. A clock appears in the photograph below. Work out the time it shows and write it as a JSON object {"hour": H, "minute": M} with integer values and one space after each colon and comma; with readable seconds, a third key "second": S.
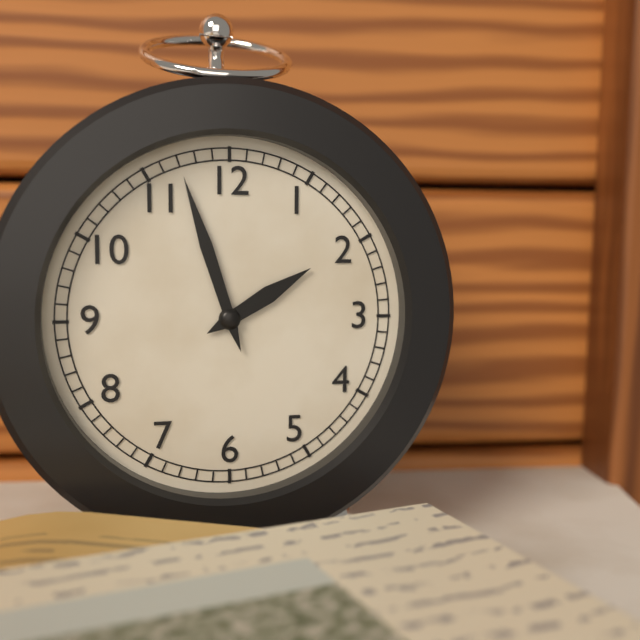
{"hour": 1, "minute": 57}
